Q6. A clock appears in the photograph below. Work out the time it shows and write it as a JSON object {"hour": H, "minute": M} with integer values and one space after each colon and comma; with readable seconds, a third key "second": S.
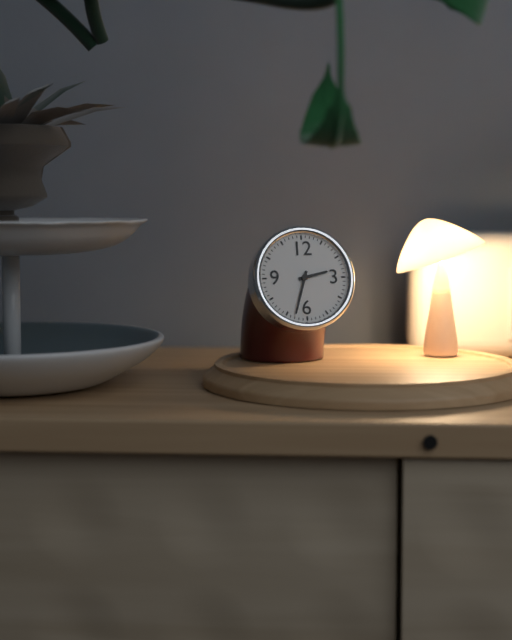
{"hour": 2, "minute": 33}
